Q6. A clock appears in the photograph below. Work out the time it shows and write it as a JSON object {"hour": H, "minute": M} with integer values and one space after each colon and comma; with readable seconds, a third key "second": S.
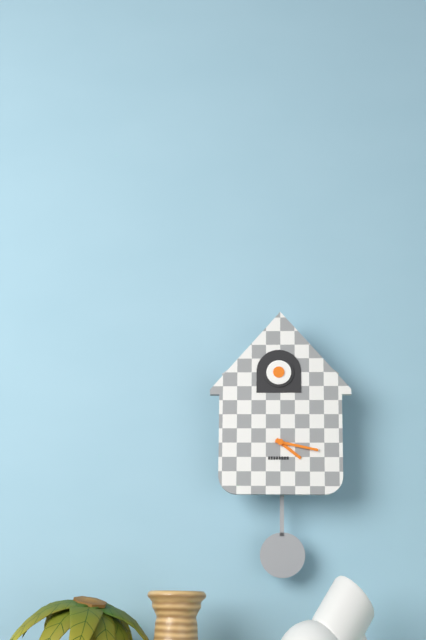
{"hour": 4, "minute": 17}
